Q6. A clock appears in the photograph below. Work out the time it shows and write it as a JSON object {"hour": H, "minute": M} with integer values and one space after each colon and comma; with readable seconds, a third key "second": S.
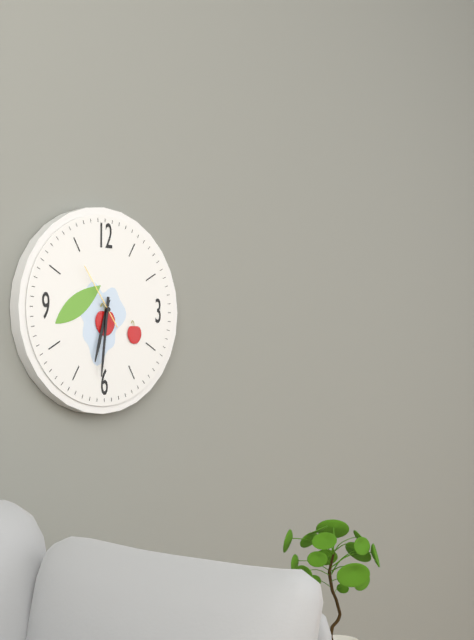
{"hour": 6, "minute": 31, "second": 54}
